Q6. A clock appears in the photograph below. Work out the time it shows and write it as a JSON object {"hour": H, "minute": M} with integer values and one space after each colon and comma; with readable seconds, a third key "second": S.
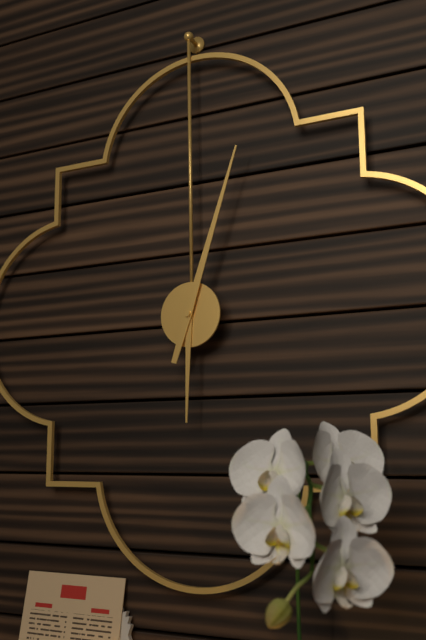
{"hour": 6, "minute": 3}
